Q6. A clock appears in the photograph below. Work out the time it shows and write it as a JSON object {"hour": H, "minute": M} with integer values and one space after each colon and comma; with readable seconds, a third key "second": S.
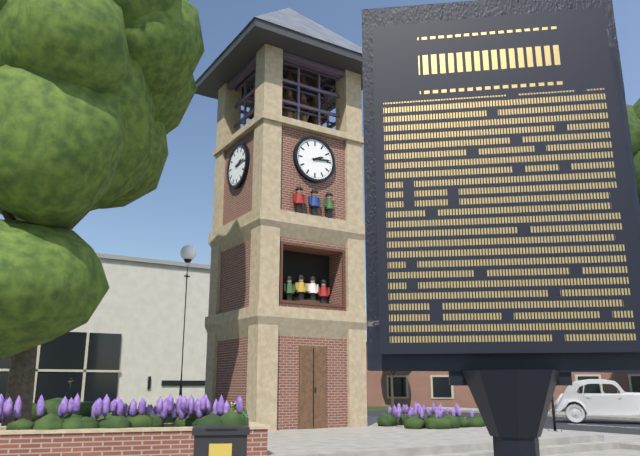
{"hour": 2, "minute": 14}
